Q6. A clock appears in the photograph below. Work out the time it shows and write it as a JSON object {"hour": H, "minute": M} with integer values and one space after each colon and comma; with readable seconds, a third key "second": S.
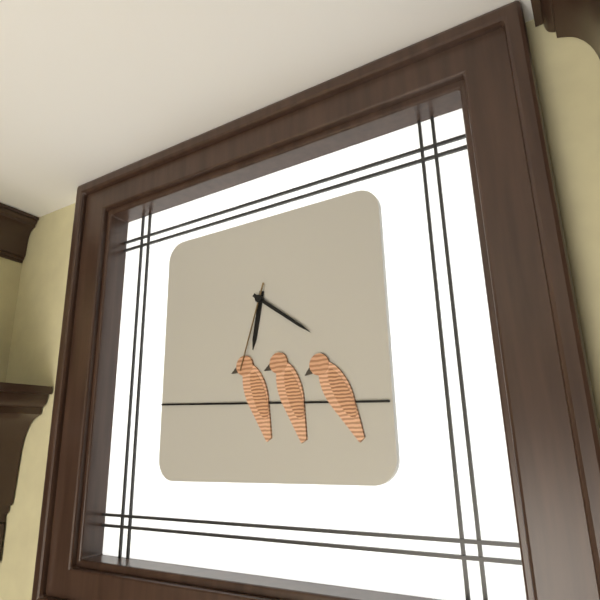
{"hour": 6, "minute": 21, "second": 33}
